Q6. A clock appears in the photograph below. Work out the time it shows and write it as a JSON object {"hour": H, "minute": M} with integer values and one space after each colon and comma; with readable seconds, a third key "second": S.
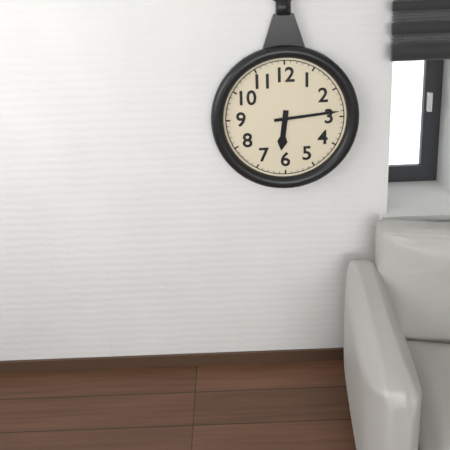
{"hour": 6, "minute": 14}
